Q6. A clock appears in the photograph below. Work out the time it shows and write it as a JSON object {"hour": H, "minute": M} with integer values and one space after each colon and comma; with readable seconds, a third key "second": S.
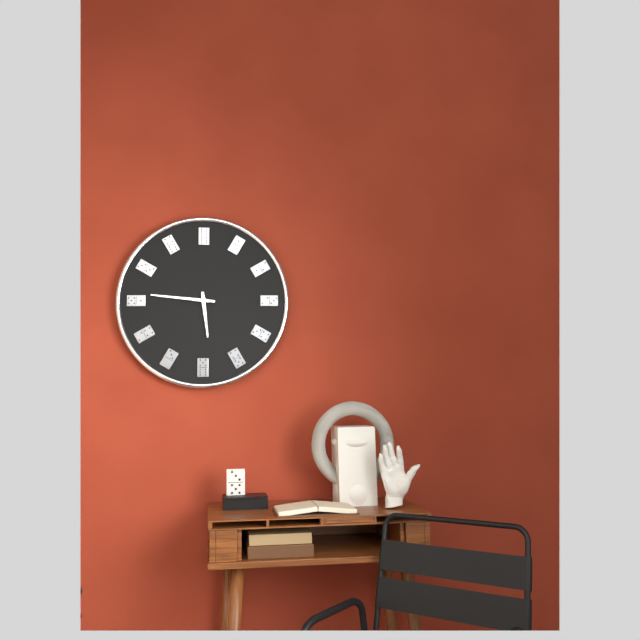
{"hour": 5, "minute": 46}
